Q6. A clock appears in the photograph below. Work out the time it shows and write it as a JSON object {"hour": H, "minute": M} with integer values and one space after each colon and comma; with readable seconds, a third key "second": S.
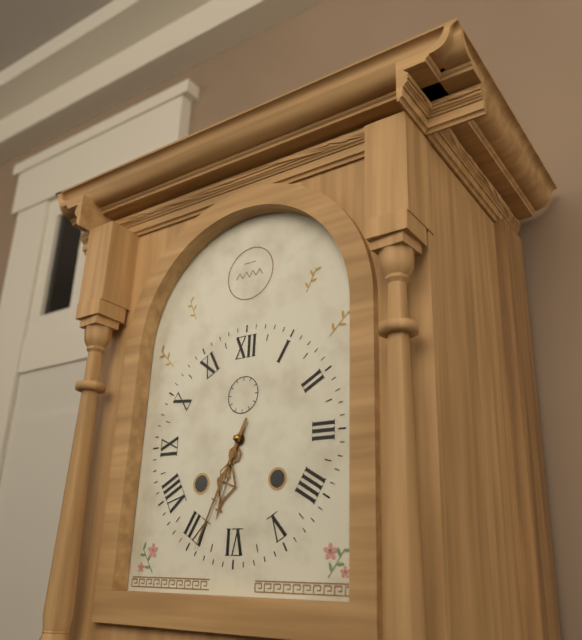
{"hour": 6, "minute": 34}
